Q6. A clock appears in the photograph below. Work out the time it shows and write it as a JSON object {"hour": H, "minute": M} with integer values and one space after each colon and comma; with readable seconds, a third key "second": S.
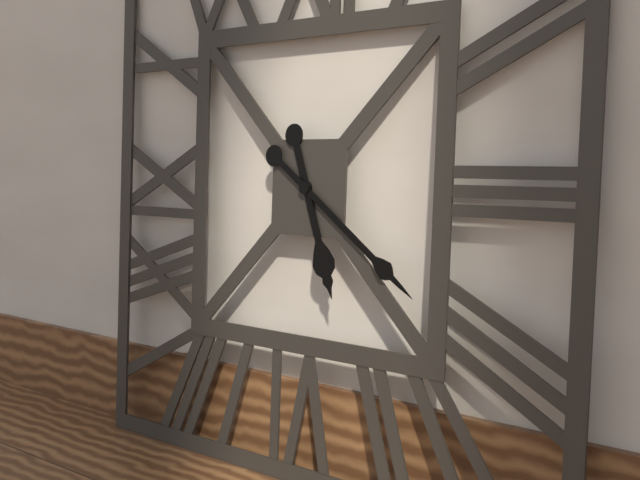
{"hour": 5, "minute": 21}
